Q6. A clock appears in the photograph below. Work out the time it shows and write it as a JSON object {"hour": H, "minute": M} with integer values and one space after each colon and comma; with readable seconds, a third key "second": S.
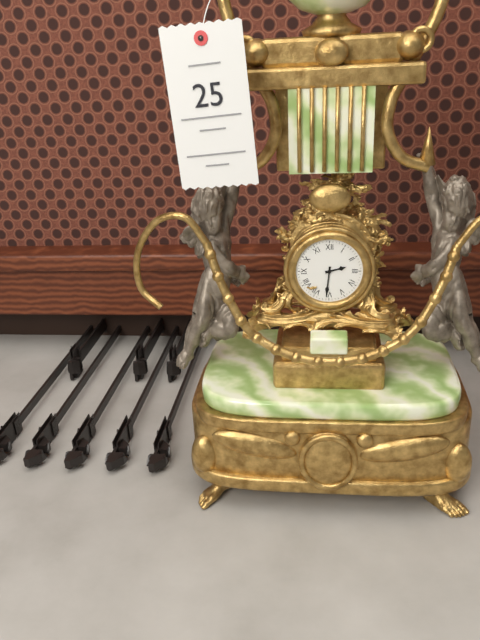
{"hour": 2, "minute": 31}
